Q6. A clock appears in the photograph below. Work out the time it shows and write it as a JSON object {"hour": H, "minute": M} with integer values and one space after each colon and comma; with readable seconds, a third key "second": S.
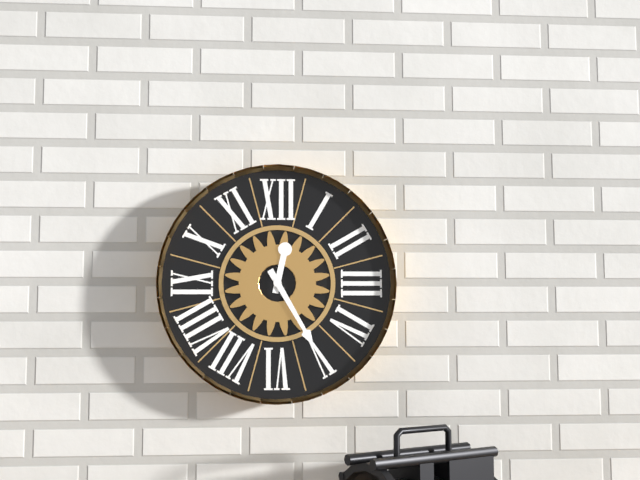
{"hour": 12, "minute": 25}
